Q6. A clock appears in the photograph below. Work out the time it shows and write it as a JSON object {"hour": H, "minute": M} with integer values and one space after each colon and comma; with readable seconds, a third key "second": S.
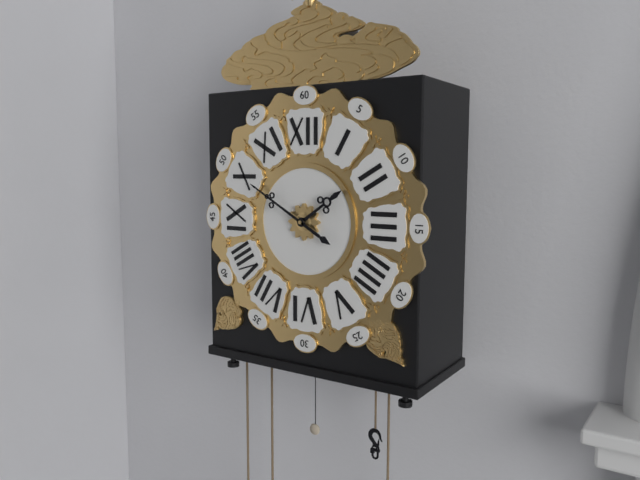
{"hour": 1, "minute": 50}
